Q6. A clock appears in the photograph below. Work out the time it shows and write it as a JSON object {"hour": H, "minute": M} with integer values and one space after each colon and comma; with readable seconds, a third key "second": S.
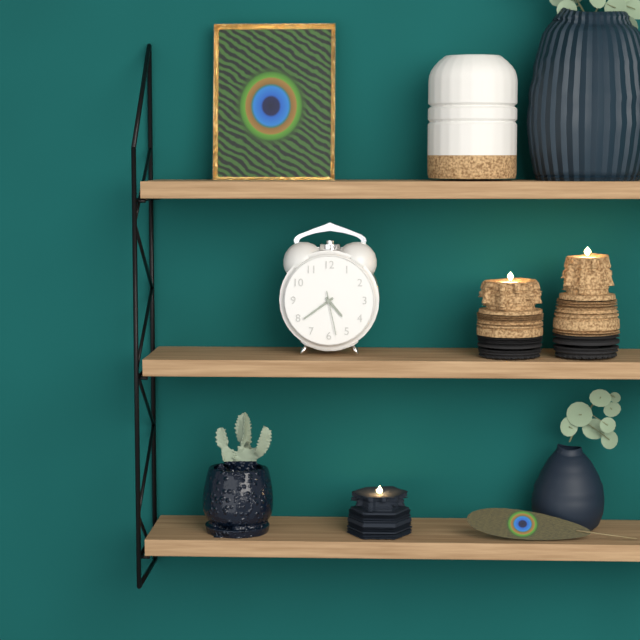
{"hour": 4, "minute": 39}
